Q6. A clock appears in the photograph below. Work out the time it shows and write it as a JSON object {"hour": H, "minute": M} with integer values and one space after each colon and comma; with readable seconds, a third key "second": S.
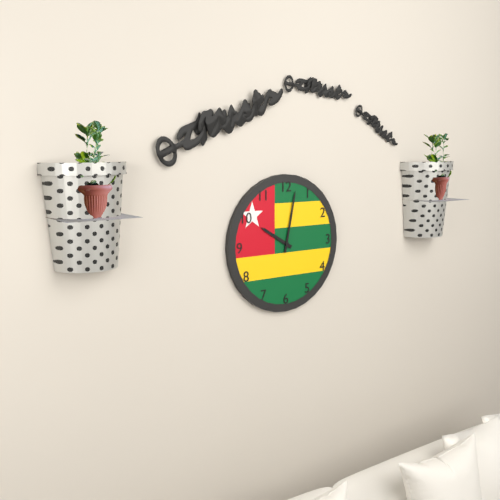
{"hour": 10, "minute": 2}
